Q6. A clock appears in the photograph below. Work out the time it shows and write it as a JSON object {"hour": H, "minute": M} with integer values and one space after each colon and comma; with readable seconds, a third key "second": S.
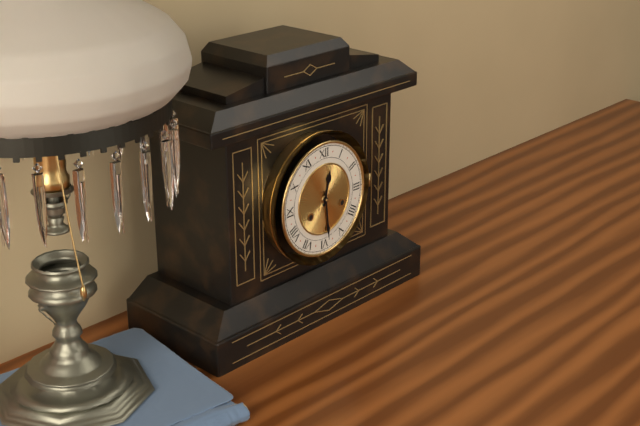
{"hour": 12, "minute": 29}
